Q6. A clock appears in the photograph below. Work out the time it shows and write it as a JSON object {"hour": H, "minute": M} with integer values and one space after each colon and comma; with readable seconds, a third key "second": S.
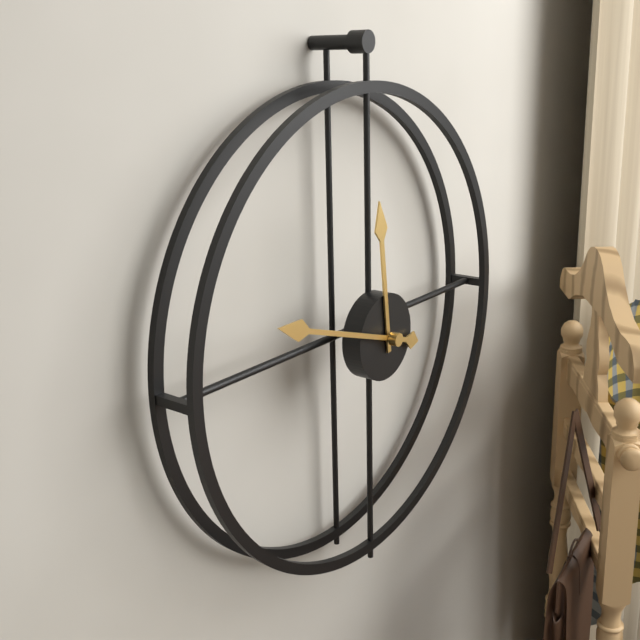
{"hour": 11, "minute": 48}
